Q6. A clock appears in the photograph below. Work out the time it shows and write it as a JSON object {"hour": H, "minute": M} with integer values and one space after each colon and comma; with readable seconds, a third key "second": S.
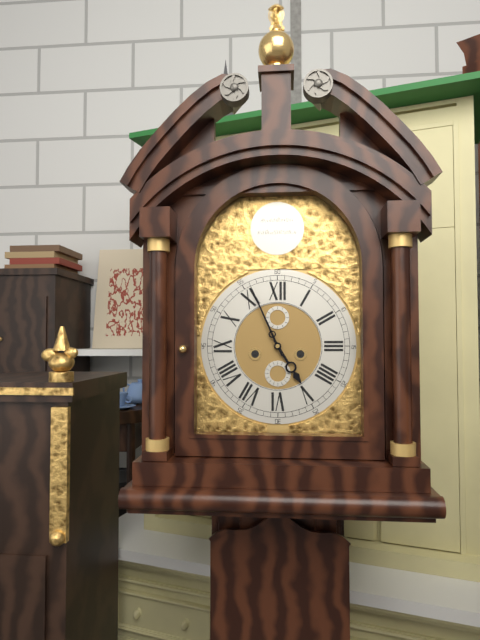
{"hour": 4, "minute": 56}
